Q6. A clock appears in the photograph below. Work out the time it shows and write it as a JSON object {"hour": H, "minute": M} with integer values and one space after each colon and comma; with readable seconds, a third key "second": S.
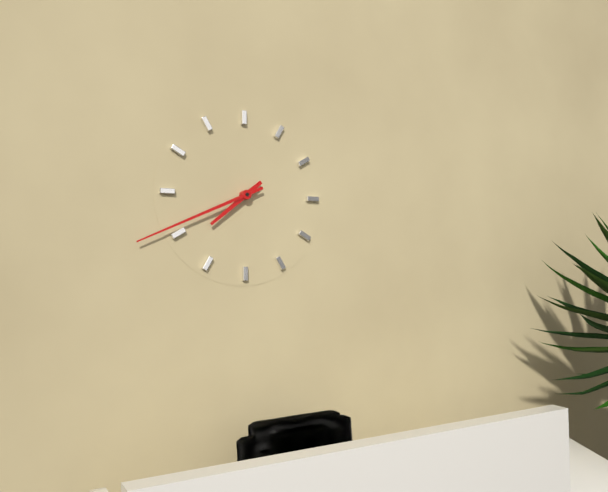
{"hour": 7, "minute": 41}
